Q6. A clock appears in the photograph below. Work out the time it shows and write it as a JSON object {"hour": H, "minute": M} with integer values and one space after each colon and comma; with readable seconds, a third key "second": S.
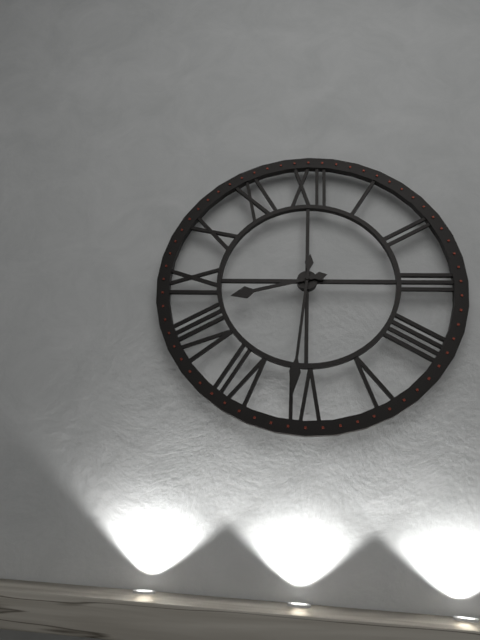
{"hour": 8, "minute": 31}
